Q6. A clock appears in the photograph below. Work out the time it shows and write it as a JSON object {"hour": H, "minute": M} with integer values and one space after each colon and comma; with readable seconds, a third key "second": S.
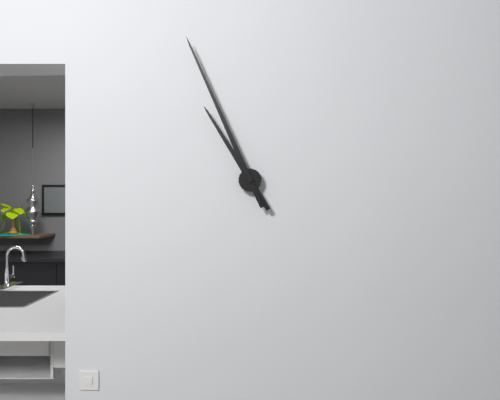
{"hour": 10, "minute": 56}
